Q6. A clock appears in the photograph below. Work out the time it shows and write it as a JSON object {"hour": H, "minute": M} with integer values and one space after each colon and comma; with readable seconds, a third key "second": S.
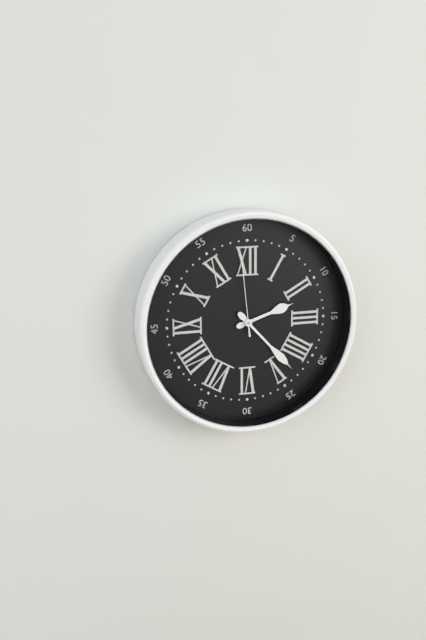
{"hour": 2, "minute": 23, "second": 59}
